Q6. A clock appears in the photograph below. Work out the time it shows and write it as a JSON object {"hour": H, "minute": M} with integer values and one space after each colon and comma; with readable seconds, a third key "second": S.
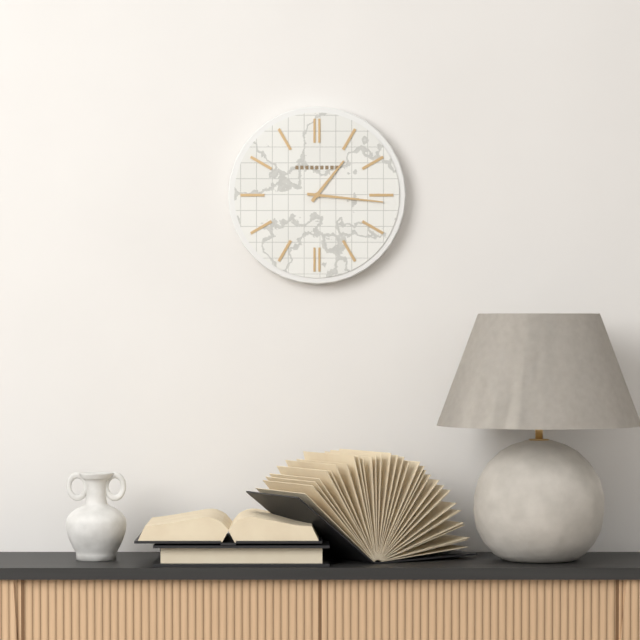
{"hour": 1, "minute": 16}
